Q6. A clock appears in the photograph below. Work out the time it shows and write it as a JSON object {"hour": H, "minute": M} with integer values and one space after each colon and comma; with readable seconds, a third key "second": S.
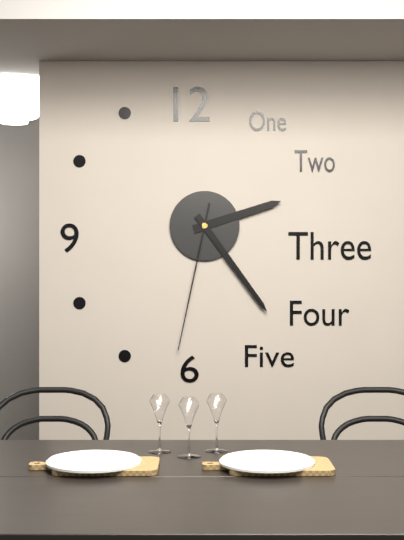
{"hour": 2, "minute": 24, "second": 32}
